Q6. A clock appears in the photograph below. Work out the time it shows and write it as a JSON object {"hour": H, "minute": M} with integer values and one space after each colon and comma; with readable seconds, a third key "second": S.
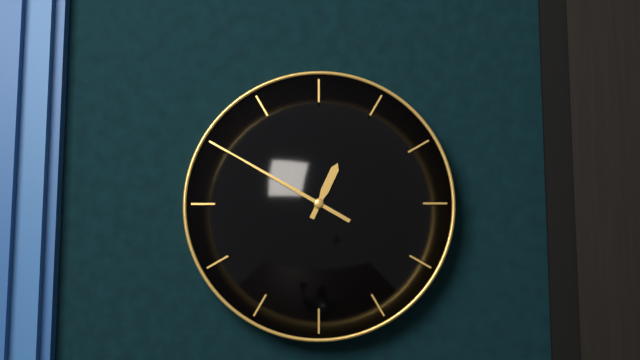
{"hour": 12, "minute": 50}
